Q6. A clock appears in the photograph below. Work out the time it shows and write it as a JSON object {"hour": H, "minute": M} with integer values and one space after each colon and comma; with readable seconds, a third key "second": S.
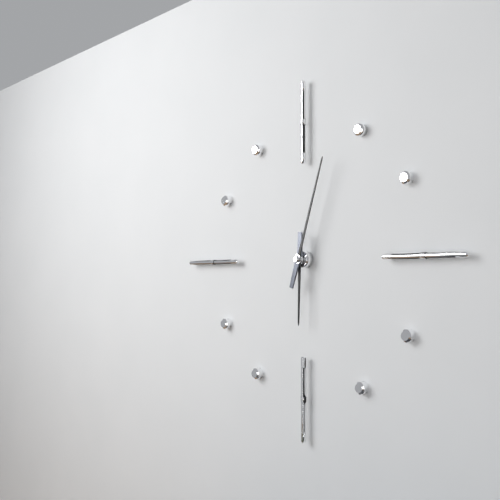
{"hour": 6, "minute": 3}
